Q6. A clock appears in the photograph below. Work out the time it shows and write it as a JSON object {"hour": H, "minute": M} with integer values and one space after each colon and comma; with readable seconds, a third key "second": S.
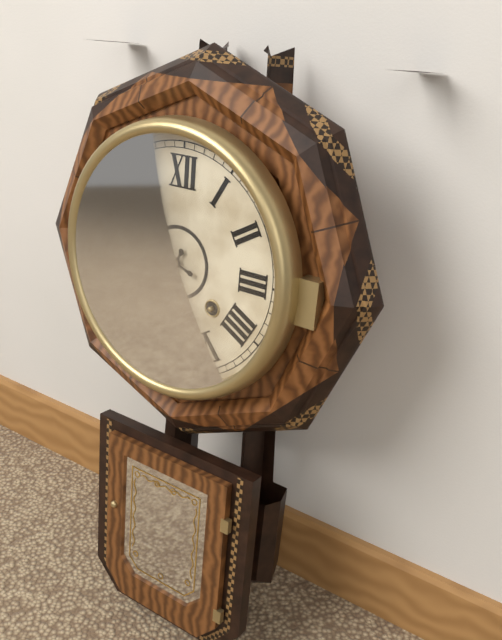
{"hour": 6, "minute": 48}
